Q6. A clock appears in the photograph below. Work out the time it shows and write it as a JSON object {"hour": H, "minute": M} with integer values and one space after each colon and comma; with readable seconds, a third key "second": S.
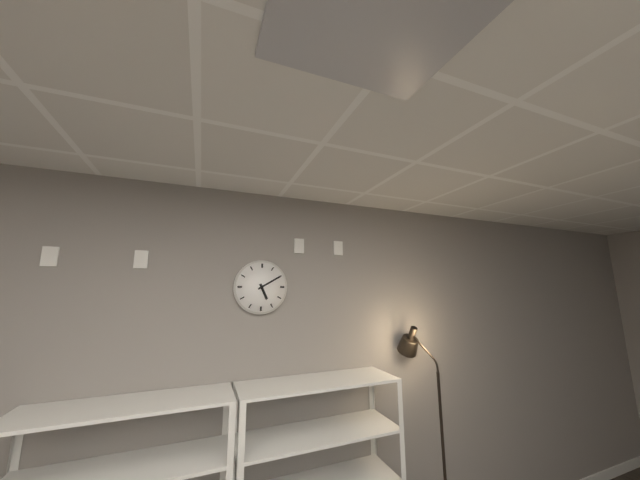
{"hour": 5, "minute": 10}
